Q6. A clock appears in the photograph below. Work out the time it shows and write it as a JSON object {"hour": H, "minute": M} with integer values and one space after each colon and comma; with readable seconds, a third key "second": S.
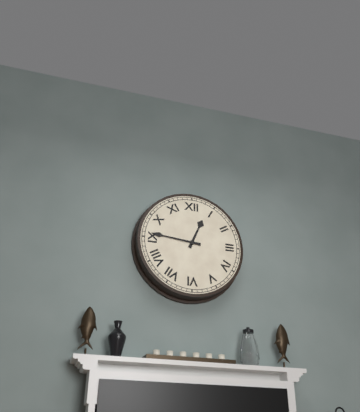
{"hour": 12, "minute": 46}
